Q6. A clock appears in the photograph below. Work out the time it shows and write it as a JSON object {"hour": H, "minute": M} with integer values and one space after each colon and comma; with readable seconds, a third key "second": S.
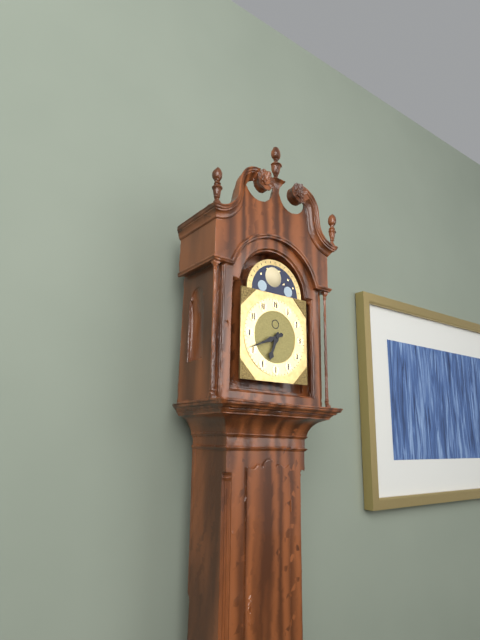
{"hour": 6, "minute": 41}
